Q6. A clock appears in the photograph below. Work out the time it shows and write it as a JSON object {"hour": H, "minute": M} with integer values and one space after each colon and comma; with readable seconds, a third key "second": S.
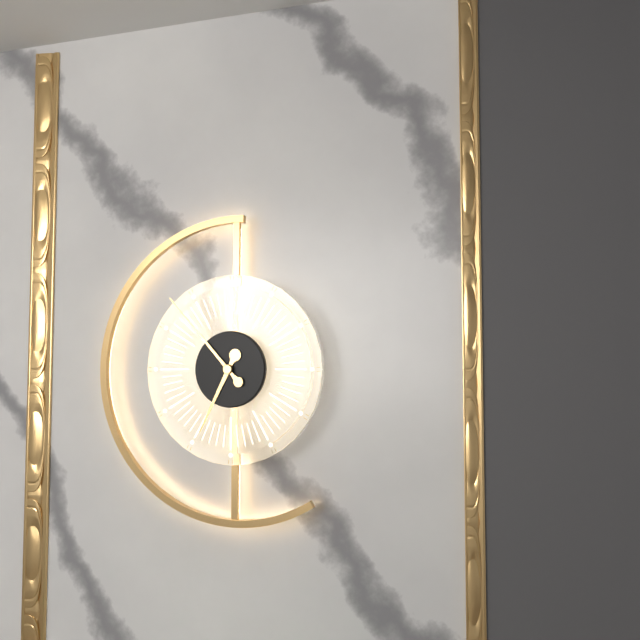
{"hour": 6, "minute": 53}
